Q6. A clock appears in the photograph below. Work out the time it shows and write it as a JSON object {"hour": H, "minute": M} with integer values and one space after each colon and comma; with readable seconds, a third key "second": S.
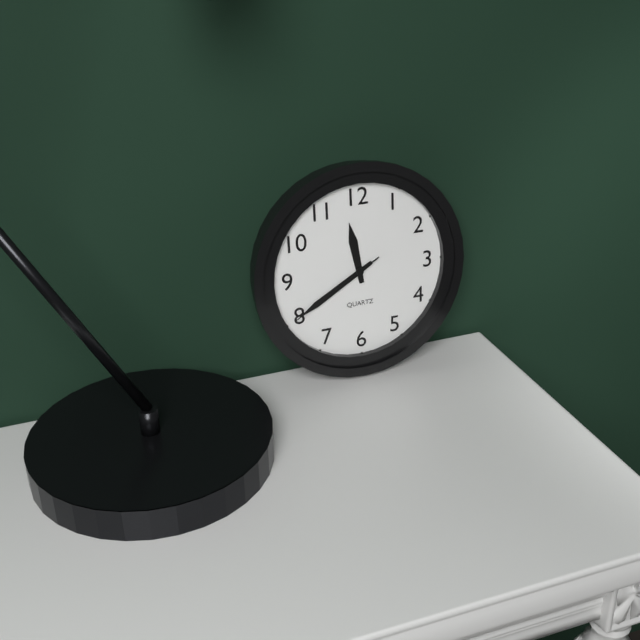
{"hour": 11, "minute": 40, "second": 40}
